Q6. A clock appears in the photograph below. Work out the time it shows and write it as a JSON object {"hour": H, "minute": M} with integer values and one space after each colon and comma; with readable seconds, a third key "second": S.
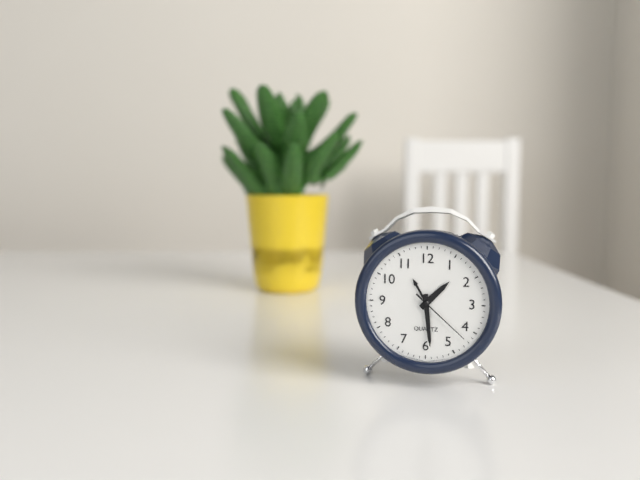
{"hour": 1, "minute": 29, "second": 22}
